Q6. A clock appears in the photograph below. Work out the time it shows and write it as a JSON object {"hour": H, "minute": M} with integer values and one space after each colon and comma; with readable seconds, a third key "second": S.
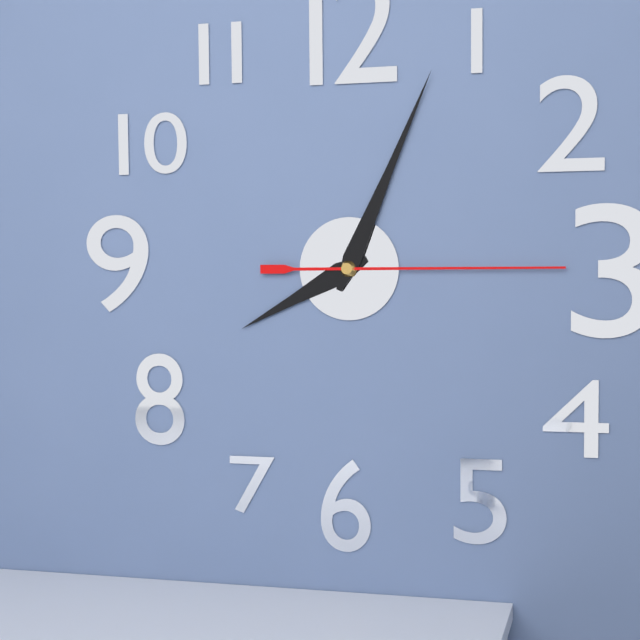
{"hour": 8, "minute": 4, "second": 15}
